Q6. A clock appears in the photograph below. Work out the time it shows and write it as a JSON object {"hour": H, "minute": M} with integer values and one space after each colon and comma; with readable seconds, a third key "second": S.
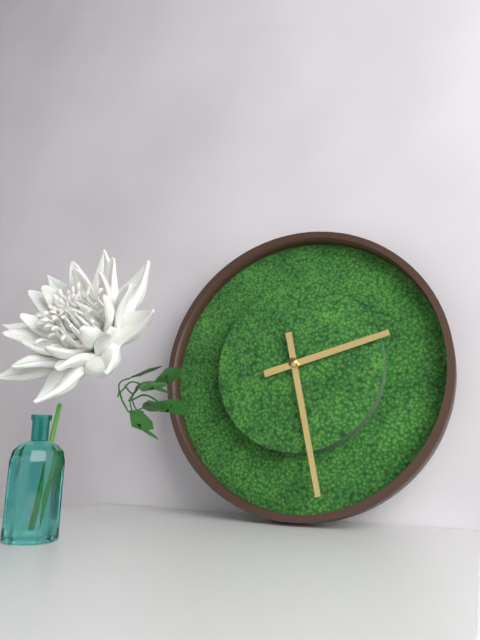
{"hour": 2, "minute": 28}
